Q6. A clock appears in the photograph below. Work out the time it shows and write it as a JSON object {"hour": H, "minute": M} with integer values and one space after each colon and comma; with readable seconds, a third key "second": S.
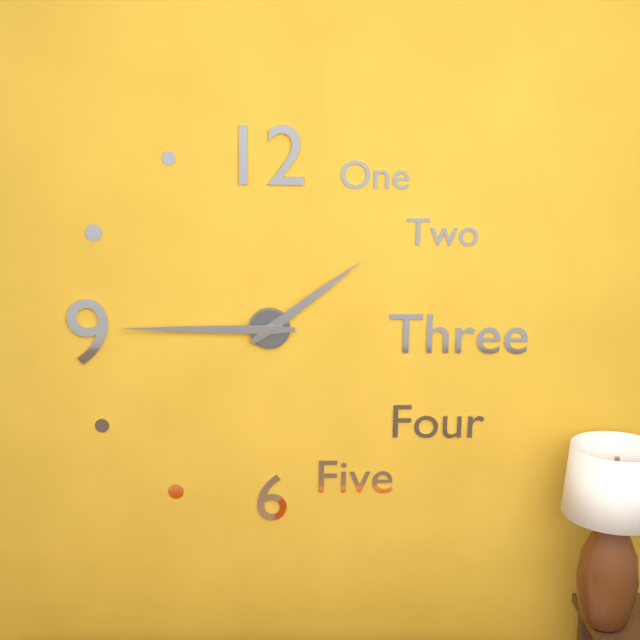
{"hour": 1, "minute": 45}
